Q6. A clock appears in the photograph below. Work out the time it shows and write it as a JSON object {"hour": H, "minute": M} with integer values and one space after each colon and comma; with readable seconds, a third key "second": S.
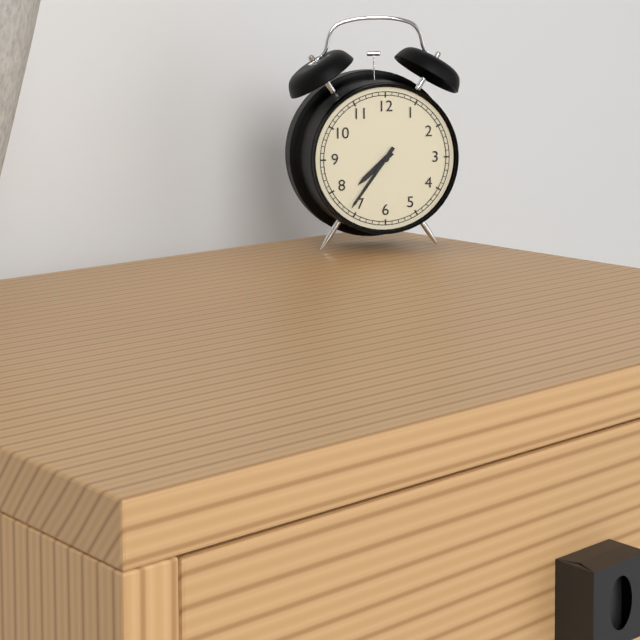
{"hour": 7, "minute": 36}
